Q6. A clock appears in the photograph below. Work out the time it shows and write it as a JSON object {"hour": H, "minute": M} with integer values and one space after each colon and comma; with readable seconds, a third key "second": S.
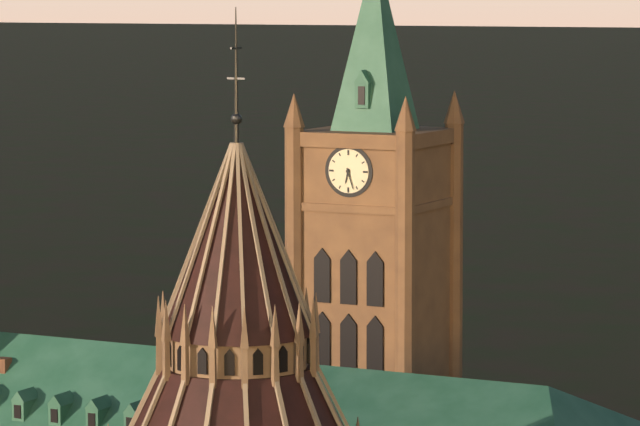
{"hour": 6, "minute": 27}
